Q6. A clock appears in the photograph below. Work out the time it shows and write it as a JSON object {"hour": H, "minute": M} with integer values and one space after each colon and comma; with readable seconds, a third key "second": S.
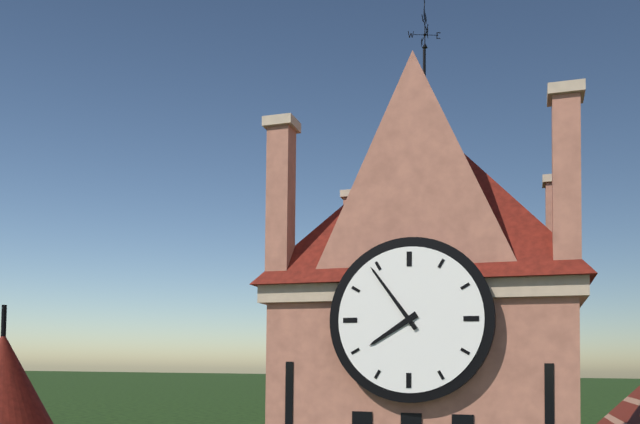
{"hour": 7, "minute": 54}
